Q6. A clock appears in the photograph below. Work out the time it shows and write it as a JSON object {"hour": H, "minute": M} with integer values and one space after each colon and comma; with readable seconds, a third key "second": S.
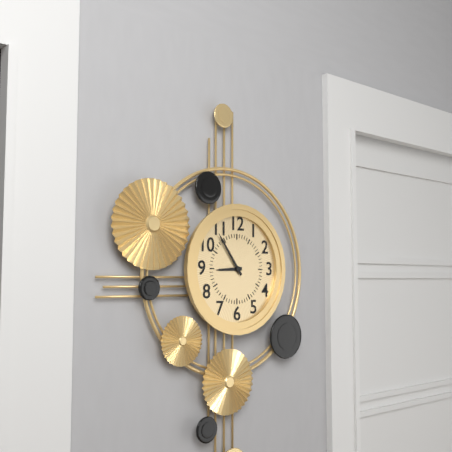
{"hour": 8, "minute": 54}
